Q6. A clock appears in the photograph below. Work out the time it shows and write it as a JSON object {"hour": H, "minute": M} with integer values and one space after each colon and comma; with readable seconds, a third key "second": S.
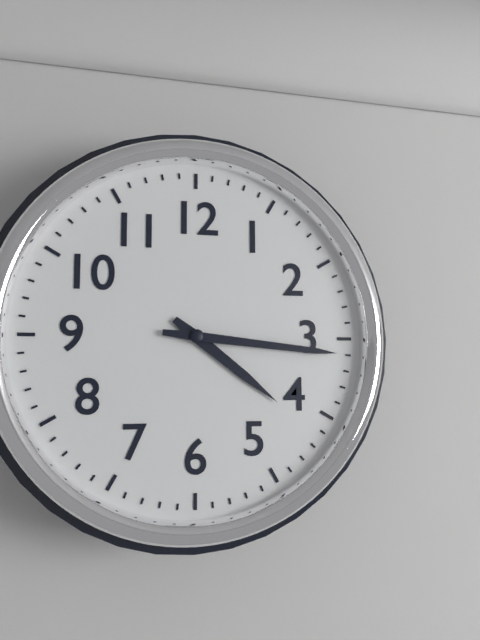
{"hour": 4, "minute": 16}
